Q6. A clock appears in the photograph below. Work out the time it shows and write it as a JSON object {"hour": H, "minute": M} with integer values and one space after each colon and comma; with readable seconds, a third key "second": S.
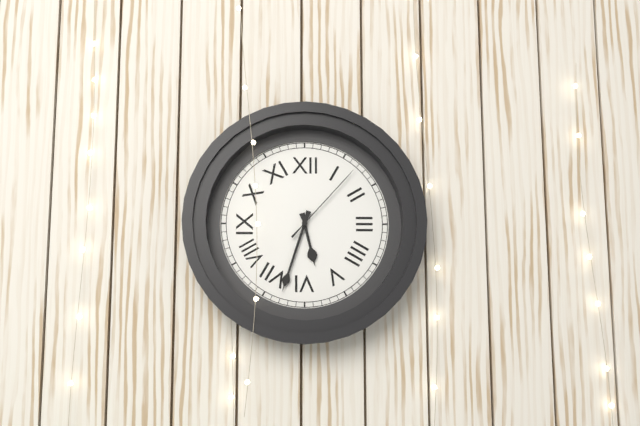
{"hour": 5, "minute": 33, "second": 7}
